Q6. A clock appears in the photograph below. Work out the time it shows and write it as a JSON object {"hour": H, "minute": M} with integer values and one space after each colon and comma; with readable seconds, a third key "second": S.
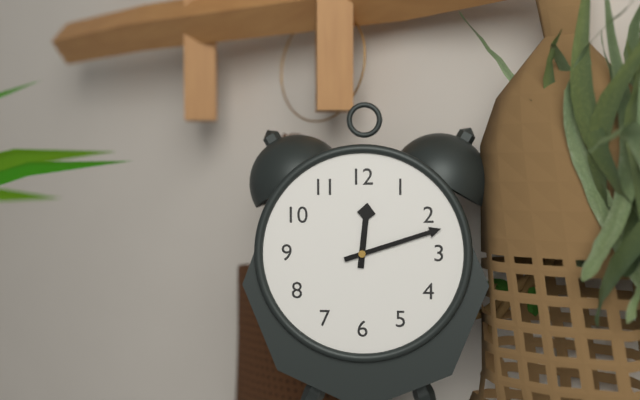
{"hour": 12, "minute": 12}
